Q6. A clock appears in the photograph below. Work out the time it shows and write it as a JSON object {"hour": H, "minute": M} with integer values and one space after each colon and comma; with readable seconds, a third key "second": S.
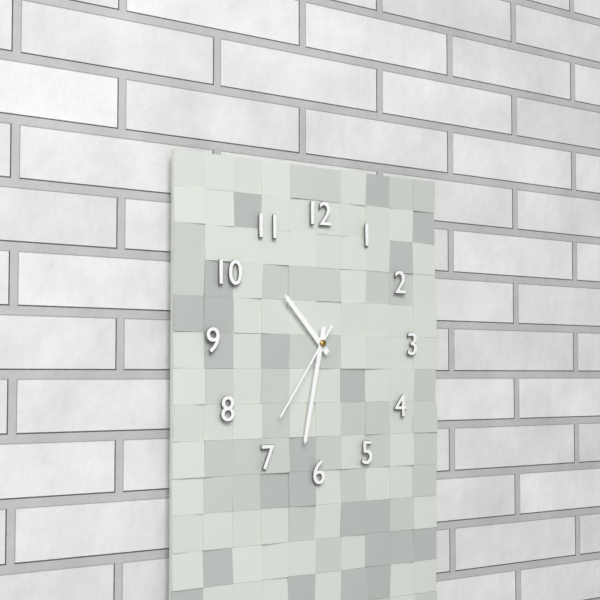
{"hour": 10, "minute": 32, "second": 36}
